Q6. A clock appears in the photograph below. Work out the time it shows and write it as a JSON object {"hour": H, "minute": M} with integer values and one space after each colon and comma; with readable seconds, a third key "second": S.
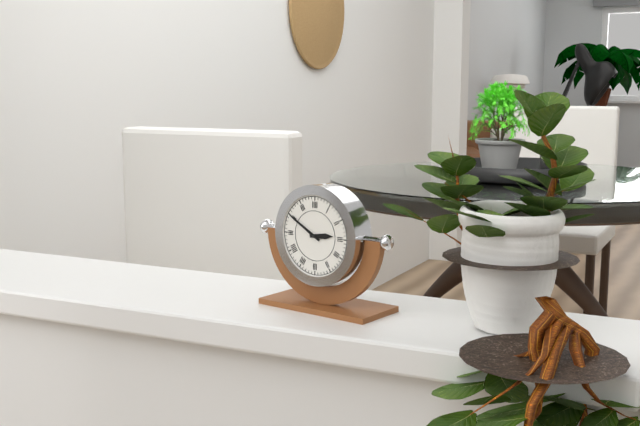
{"hour": 2, "minute": 50}
